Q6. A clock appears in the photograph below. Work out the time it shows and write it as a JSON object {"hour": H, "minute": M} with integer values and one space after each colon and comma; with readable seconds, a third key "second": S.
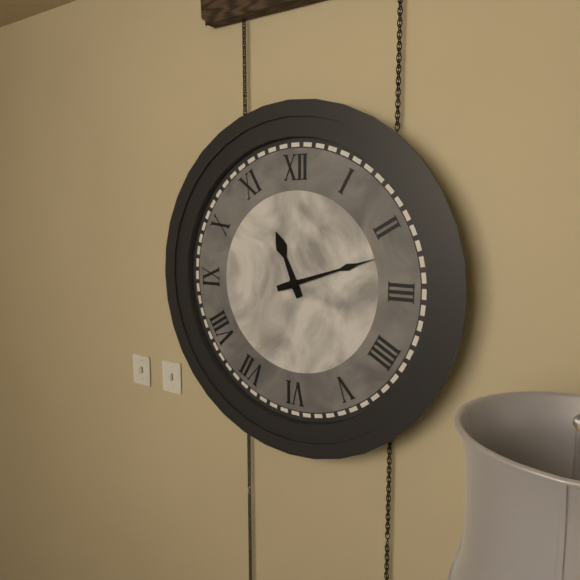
{"hour": 11, "minute": 12}
